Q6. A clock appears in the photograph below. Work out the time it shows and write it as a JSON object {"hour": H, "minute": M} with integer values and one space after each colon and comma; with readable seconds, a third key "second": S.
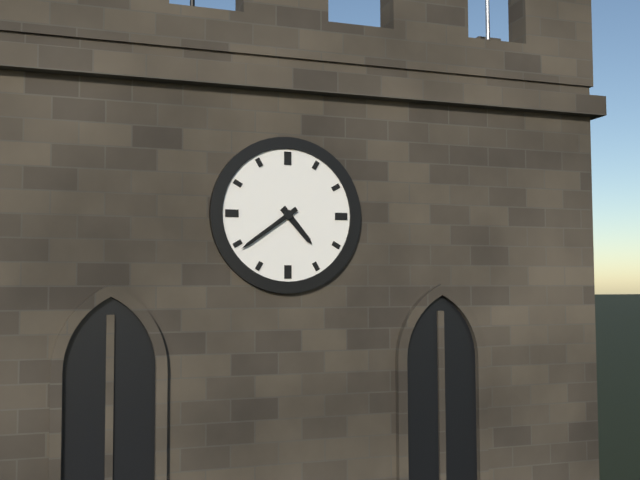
{"hour": 4, "minute": 39}
